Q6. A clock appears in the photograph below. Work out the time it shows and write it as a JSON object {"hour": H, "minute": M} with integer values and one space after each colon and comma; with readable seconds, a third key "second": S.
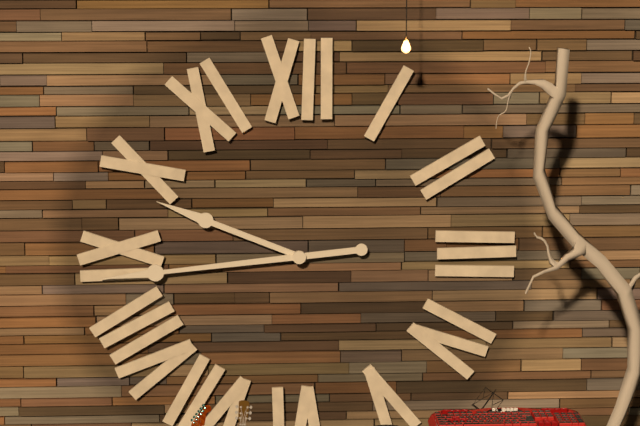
{"hour": 9, "minute": 44}
